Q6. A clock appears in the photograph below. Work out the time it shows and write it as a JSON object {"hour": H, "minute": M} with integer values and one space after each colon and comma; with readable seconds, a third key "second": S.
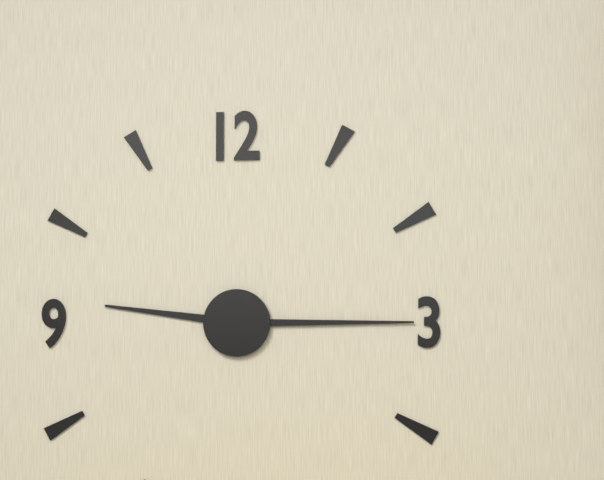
{"hour": 9, "minute": 15}
